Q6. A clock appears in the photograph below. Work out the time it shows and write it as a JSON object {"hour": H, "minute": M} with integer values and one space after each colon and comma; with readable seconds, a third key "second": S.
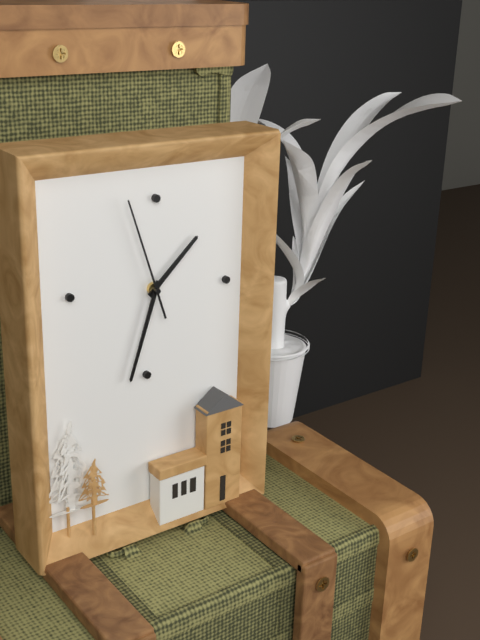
{"hour": 1, "minute": 33, "second": 57}
